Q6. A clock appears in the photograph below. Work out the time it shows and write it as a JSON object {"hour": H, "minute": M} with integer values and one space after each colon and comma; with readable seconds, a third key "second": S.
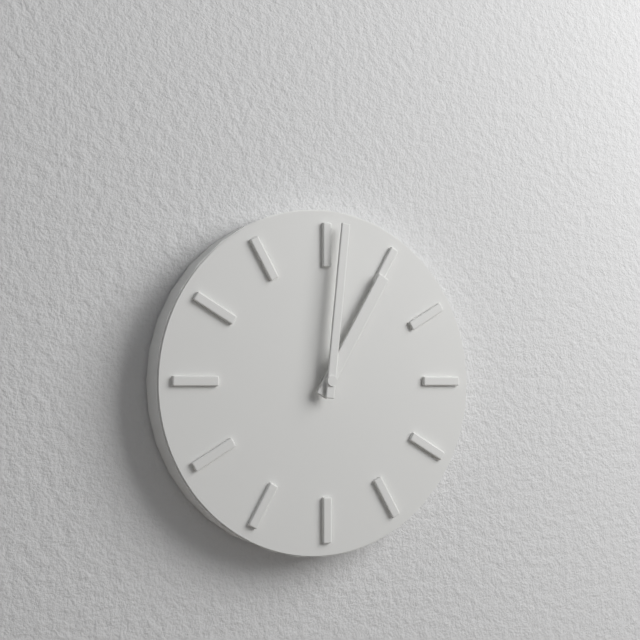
{"hour": 1, "minute": 1}
